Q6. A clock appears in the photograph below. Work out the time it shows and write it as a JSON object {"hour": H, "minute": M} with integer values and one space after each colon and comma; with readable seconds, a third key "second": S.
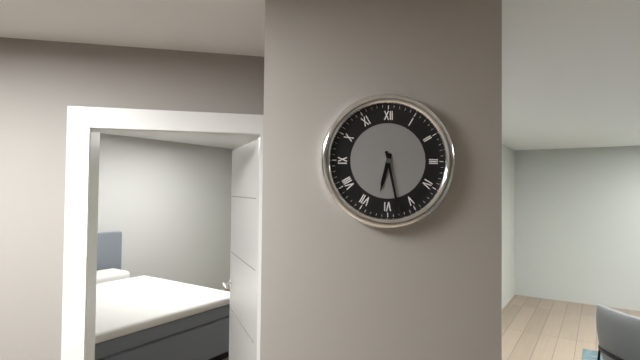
{"hour": 6, "minute": 28}
